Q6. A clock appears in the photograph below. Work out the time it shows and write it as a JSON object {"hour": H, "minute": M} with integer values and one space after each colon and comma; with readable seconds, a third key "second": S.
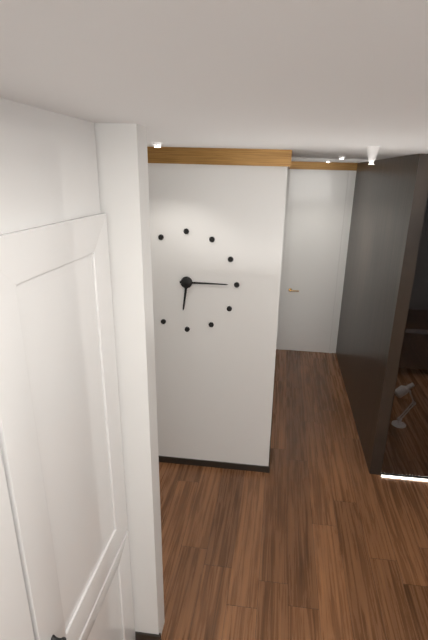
{"hour": 6, "minute": 15}
